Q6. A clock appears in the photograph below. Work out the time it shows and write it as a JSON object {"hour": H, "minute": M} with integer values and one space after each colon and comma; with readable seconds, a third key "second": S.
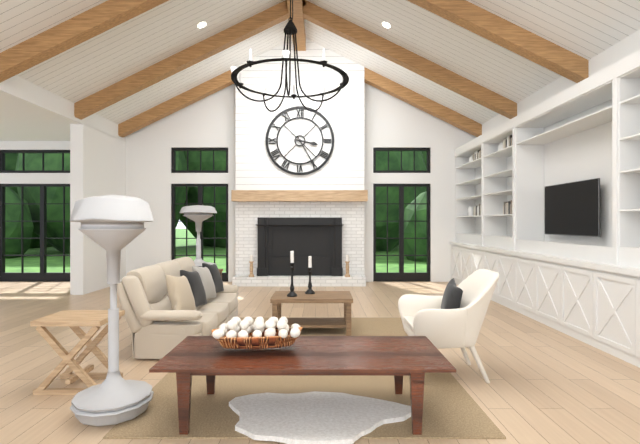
{"hour": 3, "minute": 25}
